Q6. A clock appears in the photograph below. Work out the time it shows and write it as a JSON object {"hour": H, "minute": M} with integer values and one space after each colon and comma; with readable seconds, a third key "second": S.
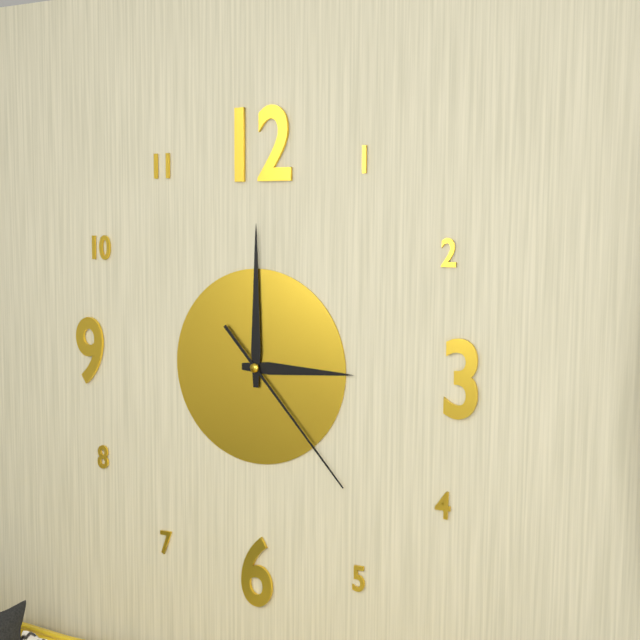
{"hour": 3, "minute": 0, "second": 23}
